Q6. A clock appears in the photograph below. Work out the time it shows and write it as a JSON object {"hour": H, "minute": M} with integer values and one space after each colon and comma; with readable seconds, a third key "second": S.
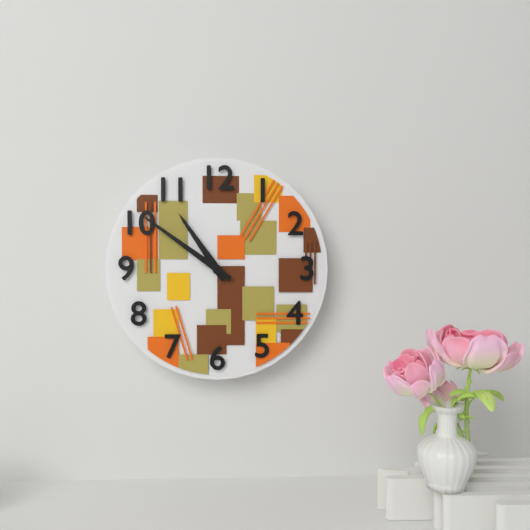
{"hour": 10, "minute": 51}
